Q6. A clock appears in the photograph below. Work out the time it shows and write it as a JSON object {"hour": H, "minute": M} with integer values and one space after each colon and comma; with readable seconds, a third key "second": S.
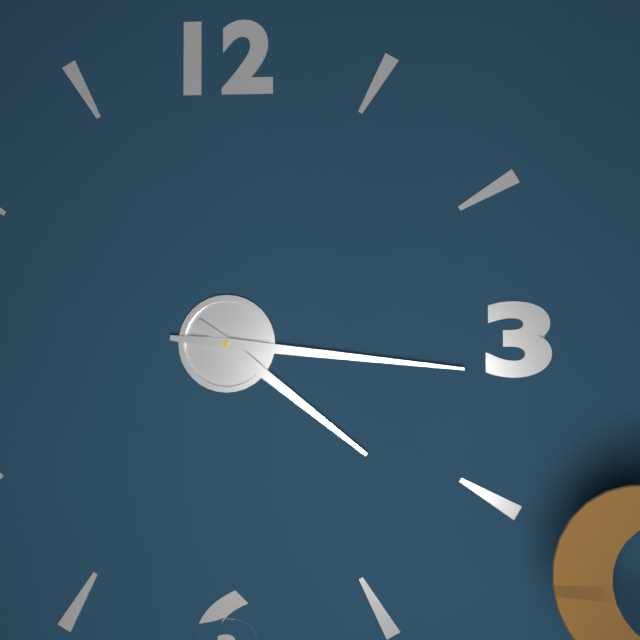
{"hour": 4, "minute": 16}
